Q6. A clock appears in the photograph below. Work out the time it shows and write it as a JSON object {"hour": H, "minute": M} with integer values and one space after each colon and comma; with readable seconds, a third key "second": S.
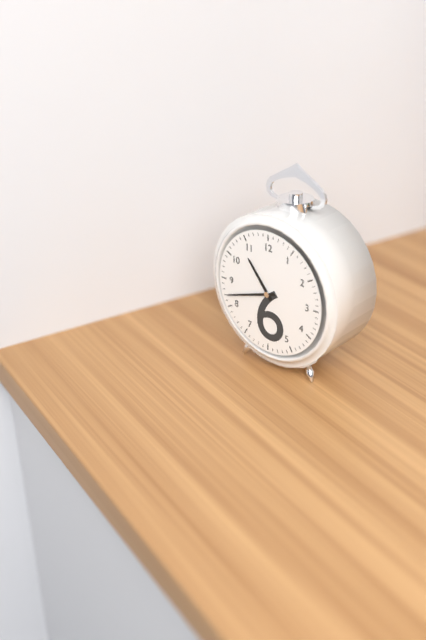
{"hour": 10, "minute": 42}
